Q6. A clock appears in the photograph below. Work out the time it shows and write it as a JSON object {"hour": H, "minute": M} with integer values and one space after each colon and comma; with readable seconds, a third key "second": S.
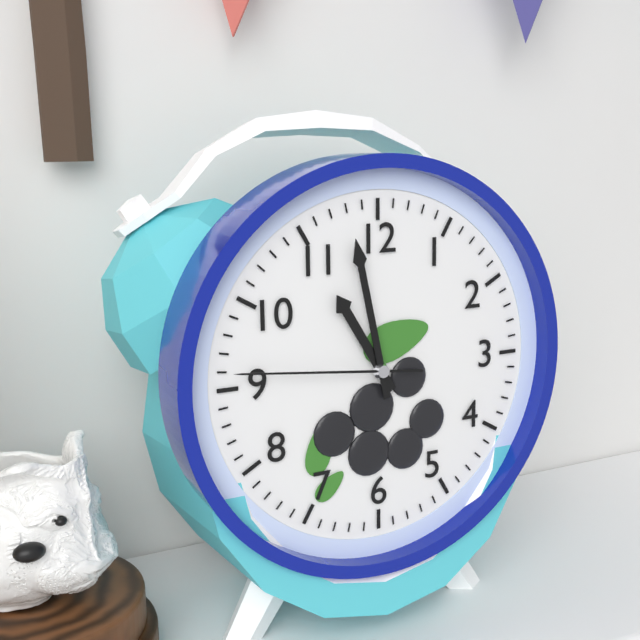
{"hour": 10, "minute": 58, "second": 46}
